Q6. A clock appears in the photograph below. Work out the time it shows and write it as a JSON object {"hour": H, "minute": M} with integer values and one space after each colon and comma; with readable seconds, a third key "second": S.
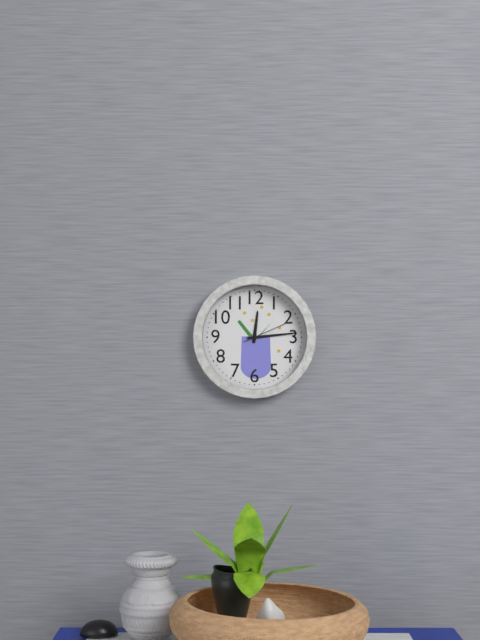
{"hour": 12, "minute": 14, "second": 11}
